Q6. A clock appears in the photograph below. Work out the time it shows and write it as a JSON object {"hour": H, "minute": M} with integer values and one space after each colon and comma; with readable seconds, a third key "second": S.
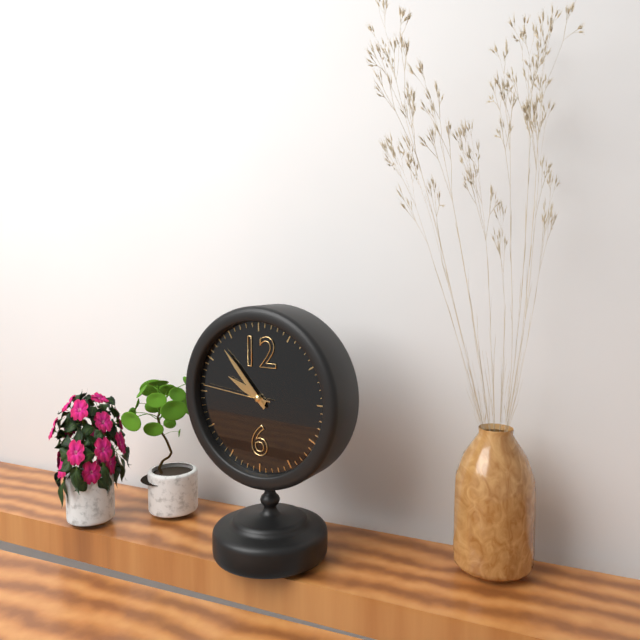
{"hour": 9, "minute": 53, "second": 46}
